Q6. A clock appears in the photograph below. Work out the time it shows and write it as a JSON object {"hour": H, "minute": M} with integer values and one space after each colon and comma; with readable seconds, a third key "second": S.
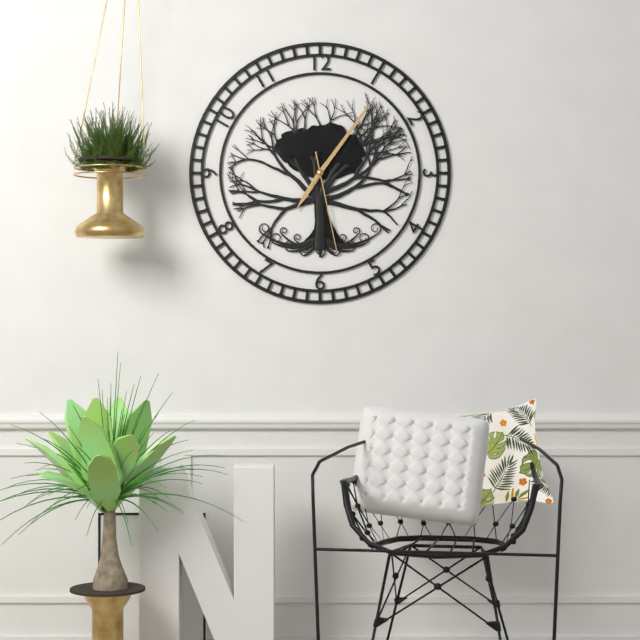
{"hour": 7, "minute": 6, "second": 28}
